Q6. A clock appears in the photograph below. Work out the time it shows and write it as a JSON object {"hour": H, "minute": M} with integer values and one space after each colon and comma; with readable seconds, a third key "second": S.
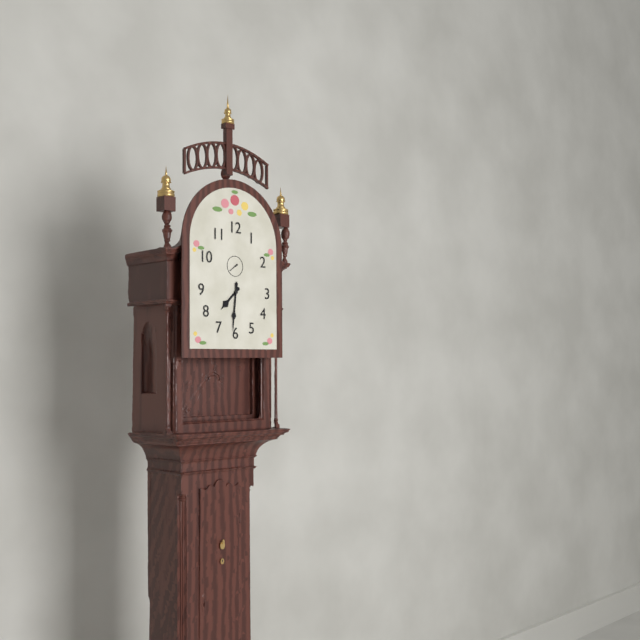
{"hour": 7, "minute": 31}
